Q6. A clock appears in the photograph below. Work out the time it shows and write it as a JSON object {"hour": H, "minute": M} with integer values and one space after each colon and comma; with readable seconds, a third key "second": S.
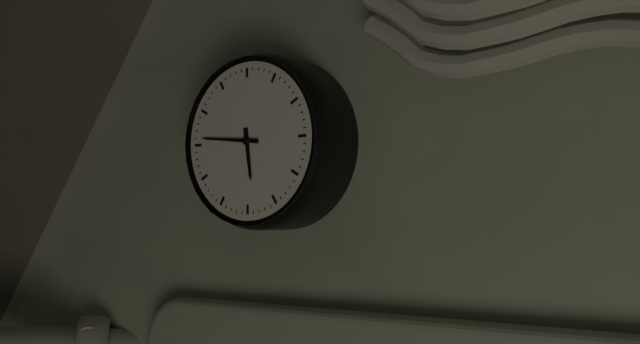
{"hour": 5, "minute": 46}
